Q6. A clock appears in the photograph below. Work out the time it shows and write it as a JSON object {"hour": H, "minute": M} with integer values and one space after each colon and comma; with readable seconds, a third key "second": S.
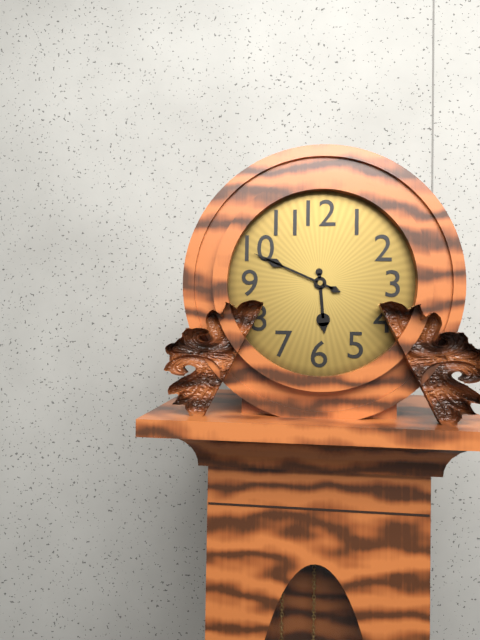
{"hour": 5, "minute": 49}
